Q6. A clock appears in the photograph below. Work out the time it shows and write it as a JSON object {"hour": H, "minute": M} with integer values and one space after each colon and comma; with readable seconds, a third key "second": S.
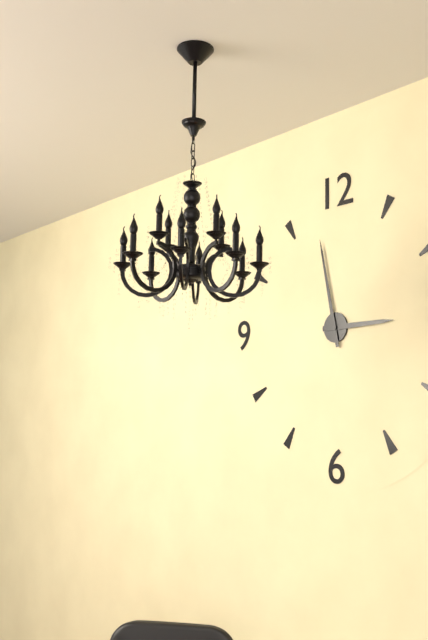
{"hour": 2, "minute": 58}
